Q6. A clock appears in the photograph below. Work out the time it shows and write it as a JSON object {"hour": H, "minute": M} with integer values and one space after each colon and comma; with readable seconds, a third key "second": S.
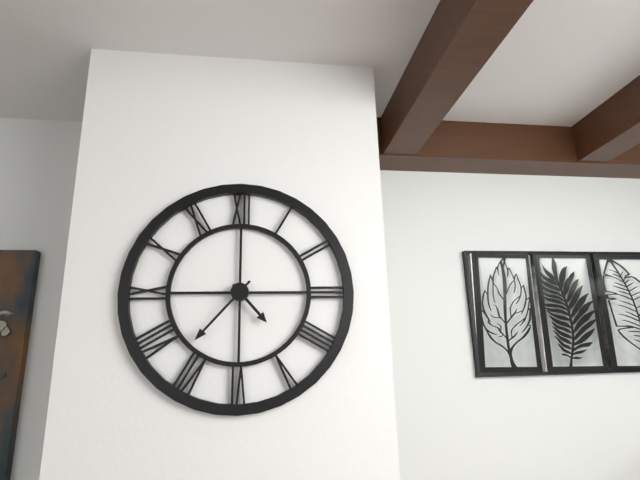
{"hour": 4, "minute": 37}
